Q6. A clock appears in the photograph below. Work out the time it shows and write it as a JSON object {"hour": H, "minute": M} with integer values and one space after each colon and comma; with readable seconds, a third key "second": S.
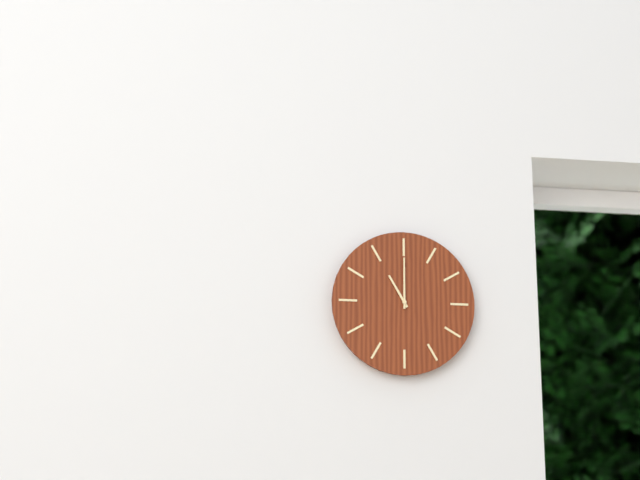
{"hour": 11, "minute": 0}
